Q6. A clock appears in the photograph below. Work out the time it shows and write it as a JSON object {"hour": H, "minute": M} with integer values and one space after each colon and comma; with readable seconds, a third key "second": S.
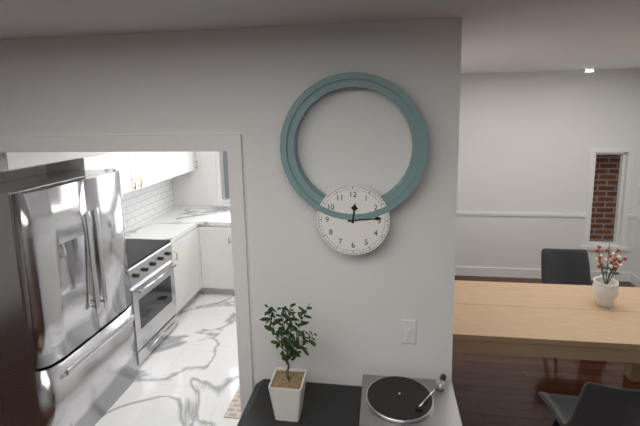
{"hour": 12, "minute": 14}
